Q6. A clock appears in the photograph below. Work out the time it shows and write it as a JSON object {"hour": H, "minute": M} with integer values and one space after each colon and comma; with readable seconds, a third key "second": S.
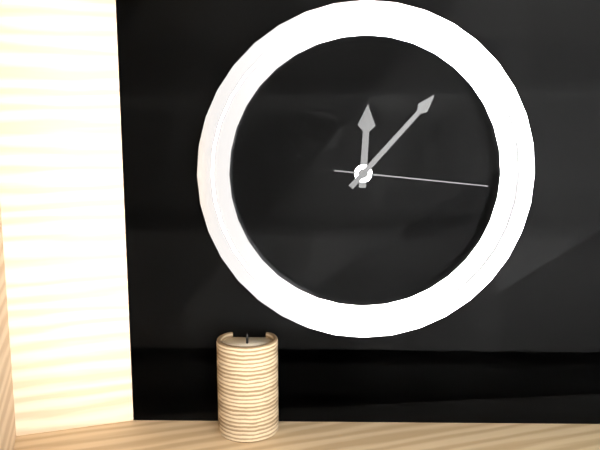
{"hour": 12, "minute": 7, "second": 16}
